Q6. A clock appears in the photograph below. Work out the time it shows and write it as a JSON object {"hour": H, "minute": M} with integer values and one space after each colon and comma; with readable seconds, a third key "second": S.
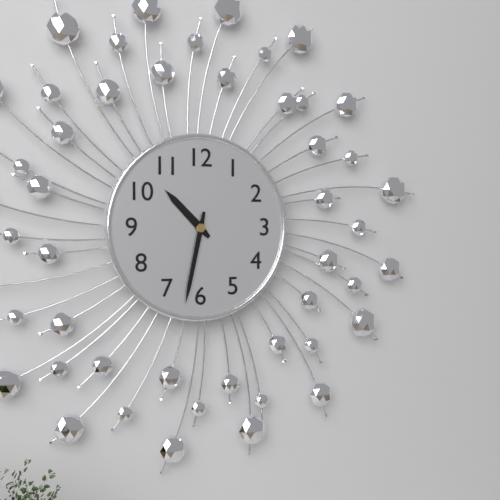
{"hour": 10, "minute": 32}
